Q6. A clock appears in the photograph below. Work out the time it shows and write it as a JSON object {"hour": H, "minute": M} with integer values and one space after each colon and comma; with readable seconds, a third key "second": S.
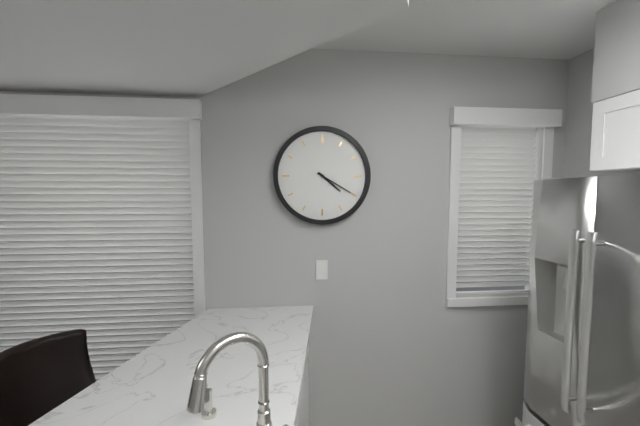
{"hour": 4, "minute": 20}
